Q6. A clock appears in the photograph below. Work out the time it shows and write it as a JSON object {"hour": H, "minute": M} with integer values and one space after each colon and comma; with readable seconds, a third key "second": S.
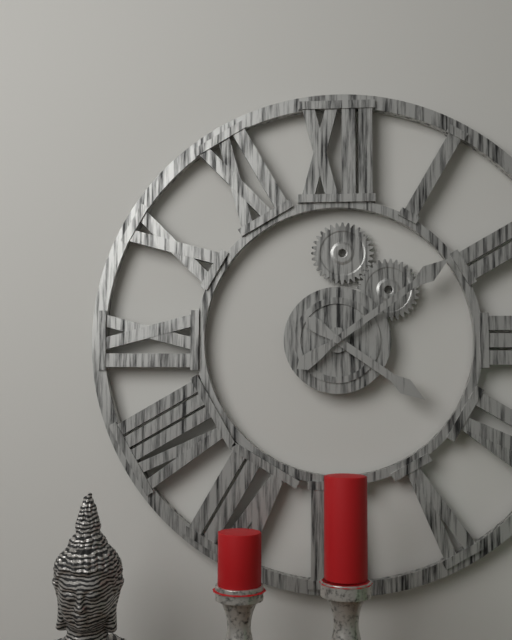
{"hour": 4, "minute": 9}
